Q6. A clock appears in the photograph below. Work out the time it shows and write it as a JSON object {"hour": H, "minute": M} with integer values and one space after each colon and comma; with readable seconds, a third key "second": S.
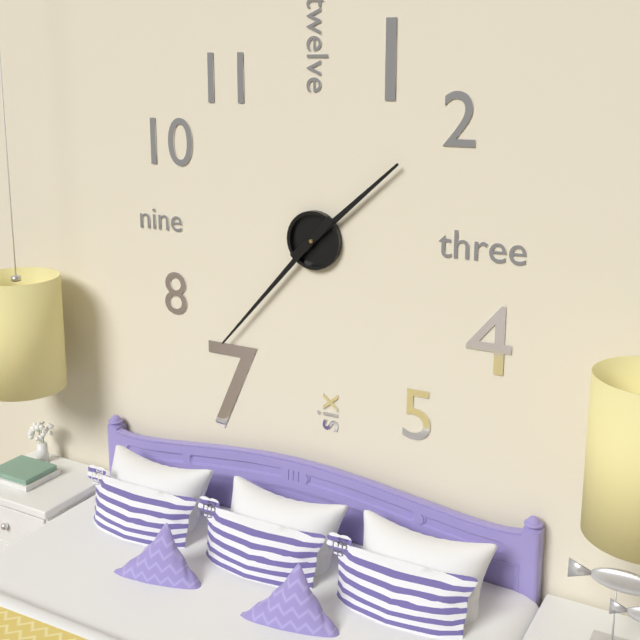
{"hour": 1, "minute": 37}
